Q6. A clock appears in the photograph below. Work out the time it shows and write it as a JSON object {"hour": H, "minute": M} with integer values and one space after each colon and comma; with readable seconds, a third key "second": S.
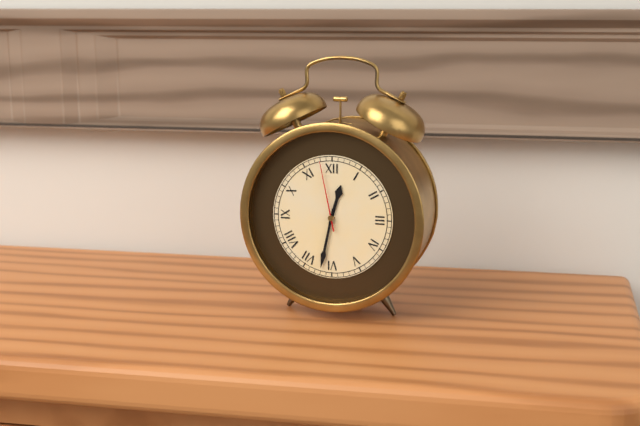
{"hour": 12, "minute": 32, "second": 58}
